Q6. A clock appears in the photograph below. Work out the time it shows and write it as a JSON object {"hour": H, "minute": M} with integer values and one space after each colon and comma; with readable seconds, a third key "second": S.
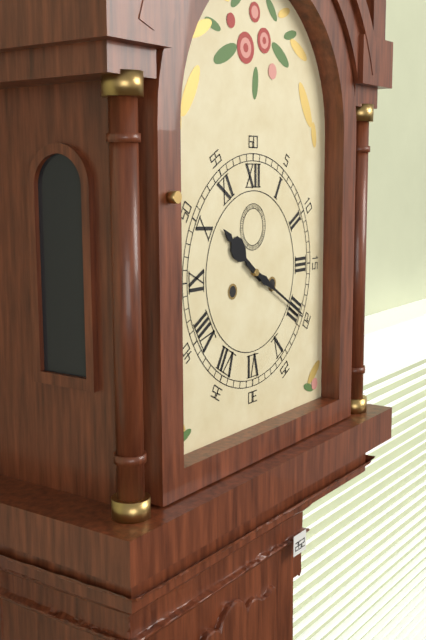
{"hour": 10, "minute": 20}
